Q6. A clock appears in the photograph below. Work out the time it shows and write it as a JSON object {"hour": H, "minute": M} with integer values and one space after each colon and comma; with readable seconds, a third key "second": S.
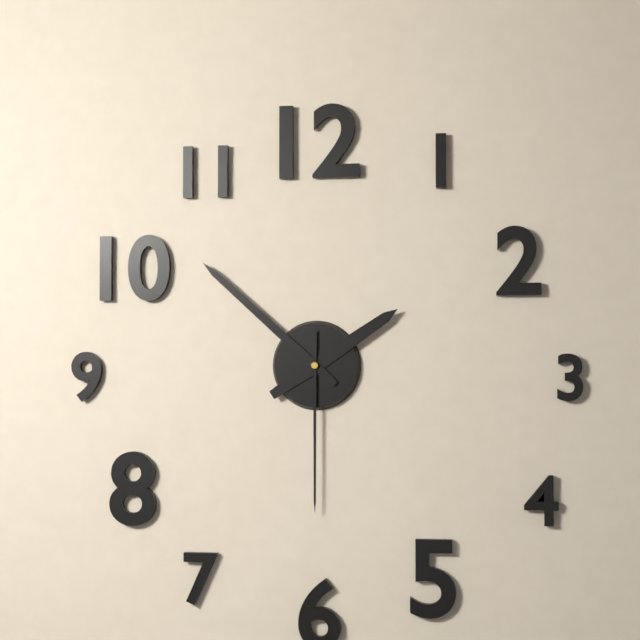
{"hour": 1, "minute": 52, "second": 30}
